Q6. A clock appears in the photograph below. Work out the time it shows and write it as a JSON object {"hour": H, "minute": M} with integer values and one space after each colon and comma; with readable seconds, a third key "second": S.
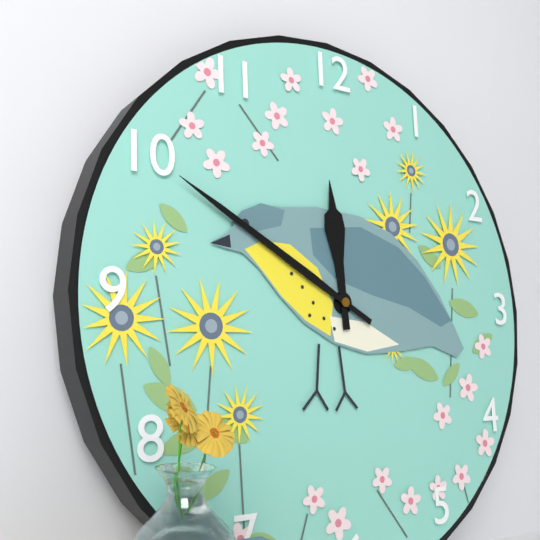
{"hour": 11, "minute": 50}
